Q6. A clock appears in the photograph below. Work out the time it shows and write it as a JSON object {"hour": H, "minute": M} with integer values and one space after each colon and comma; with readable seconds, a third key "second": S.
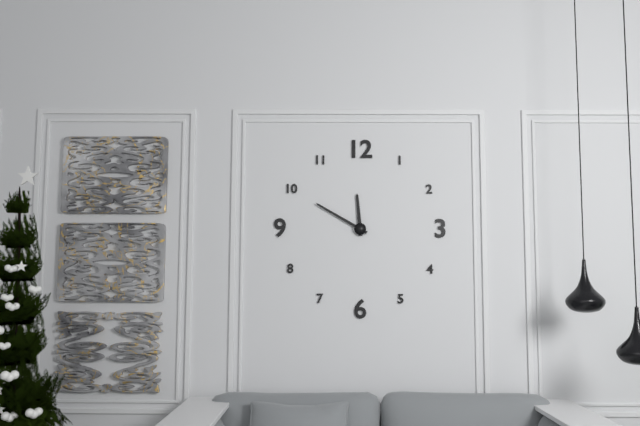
{"hour": 11, "minute": 50}
